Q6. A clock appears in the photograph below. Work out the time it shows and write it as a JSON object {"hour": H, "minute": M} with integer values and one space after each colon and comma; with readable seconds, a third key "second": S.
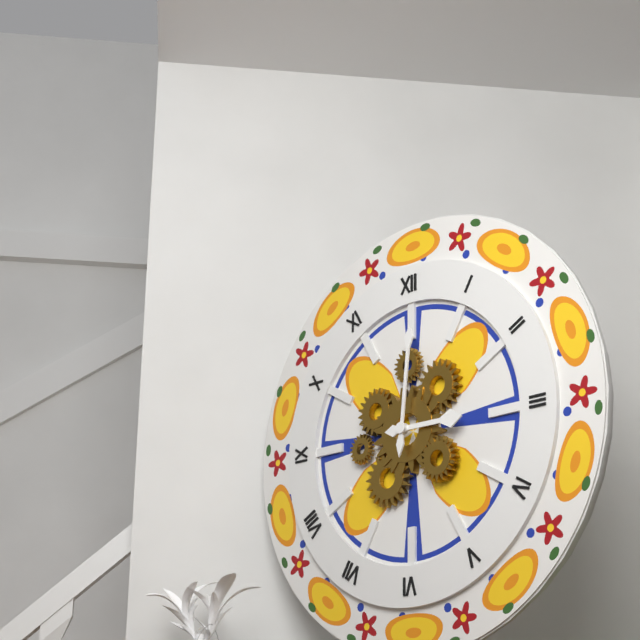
{"hour": 3, "minute": 1}
